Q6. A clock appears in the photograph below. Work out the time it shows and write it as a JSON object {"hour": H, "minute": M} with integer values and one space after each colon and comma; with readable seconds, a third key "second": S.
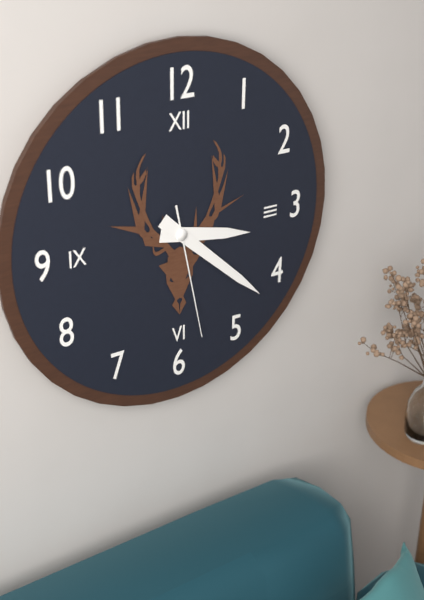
{"hour": 3, "minute": 22, "second": 28}
